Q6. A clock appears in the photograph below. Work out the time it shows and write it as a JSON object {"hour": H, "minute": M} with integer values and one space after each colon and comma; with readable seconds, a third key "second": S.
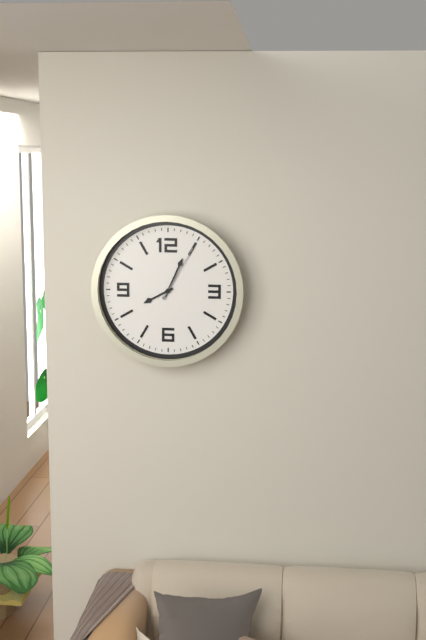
{"hour": 8, "minute": 4, "second": 5}
